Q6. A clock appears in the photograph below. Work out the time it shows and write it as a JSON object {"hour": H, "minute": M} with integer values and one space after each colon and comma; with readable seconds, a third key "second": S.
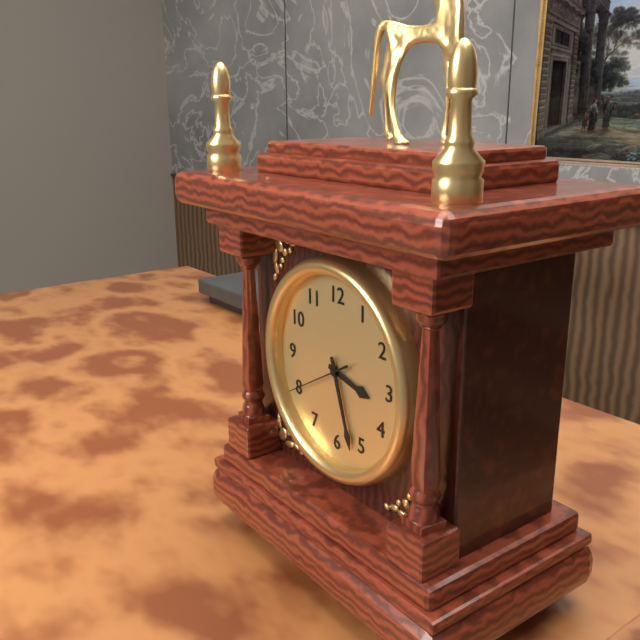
{"hour": 3, "minute": 27, "second": 40}
